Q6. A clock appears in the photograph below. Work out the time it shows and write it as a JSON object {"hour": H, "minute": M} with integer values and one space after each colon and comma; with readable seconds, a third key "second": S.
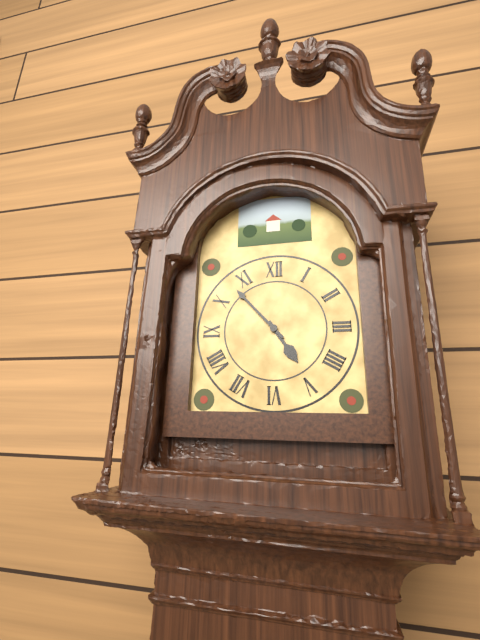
{"hour": 4, "minute": 53}
